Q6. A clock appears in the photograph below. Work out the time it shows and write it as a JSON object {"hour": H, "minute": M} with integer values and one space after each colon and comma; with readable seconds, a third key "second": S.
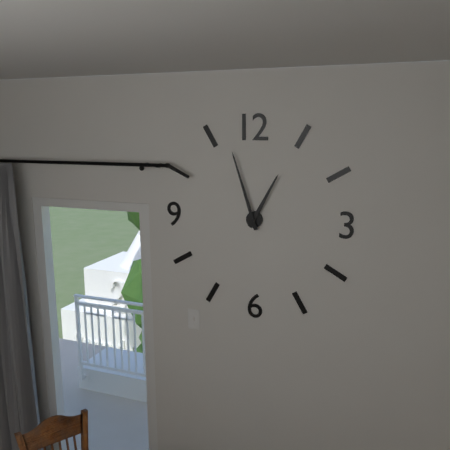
{"hour": 12, "minute": 57}
